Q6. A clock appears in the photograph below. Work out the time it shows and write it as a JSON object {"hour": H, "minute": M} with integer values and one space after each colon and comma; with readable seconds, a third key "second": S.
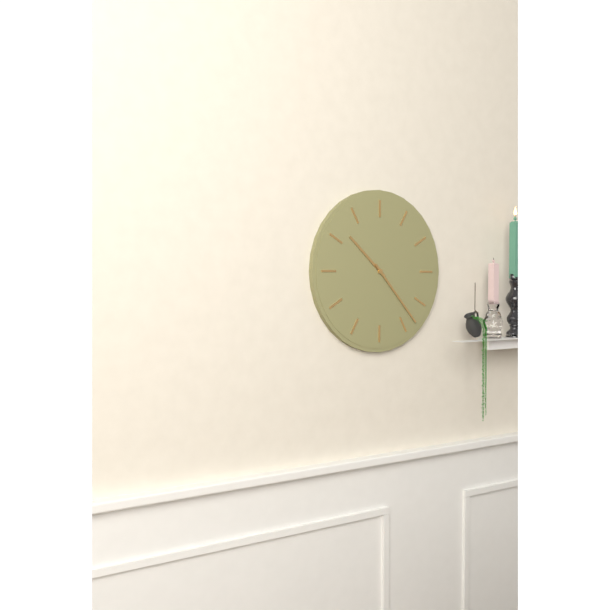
{"hour": 10, "minute": 23}
